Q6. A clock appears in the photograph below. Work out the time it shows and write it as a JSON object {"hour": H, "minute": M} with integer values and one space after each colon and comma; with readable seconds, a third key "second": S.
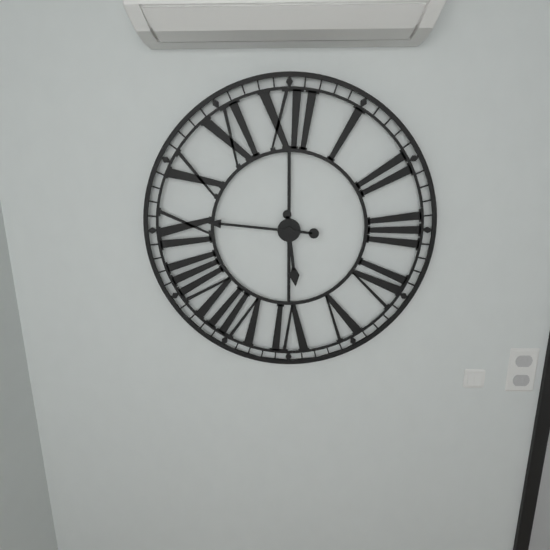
{"hour": 5, "minute": 46}
